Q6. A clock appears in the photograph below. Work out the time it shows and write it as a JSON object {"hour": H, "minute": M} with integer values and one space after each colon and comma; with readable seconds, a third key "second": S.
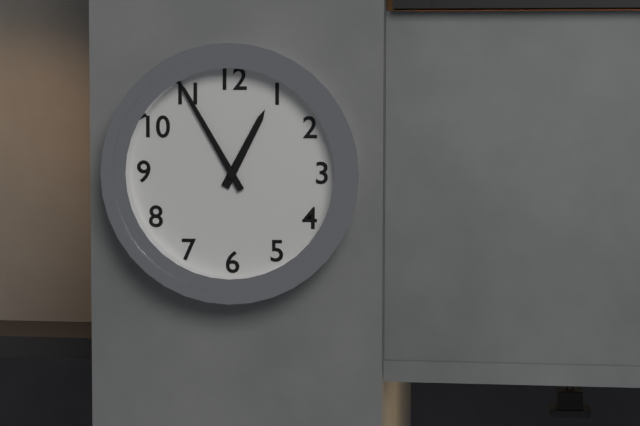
{"hour": 12, "minute": 55}
